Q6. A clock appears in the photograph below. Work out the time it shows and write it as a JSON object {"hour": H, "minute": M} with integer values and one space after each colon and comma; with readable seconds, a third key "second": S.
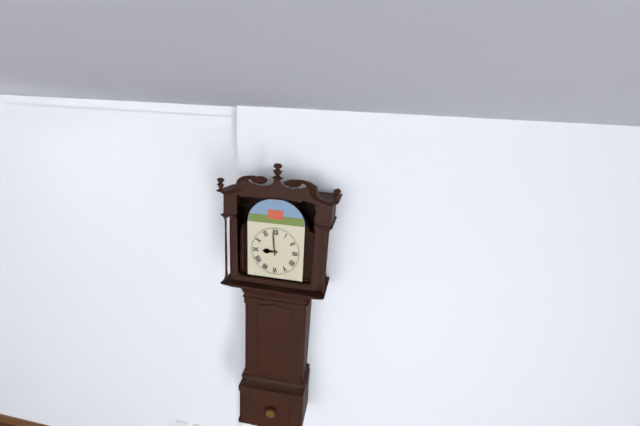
{"hour": 8, "minute": 59}
